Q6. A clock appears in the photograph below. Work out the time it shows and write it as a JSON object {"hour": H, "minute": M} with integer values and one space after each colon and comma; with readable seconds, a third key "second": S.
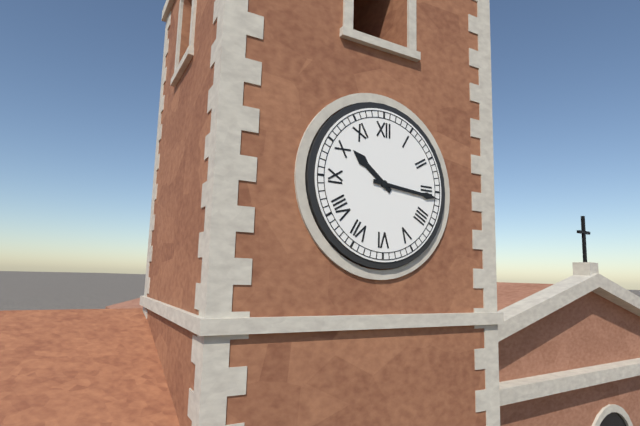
{"hour": 10, "minute": 16}
